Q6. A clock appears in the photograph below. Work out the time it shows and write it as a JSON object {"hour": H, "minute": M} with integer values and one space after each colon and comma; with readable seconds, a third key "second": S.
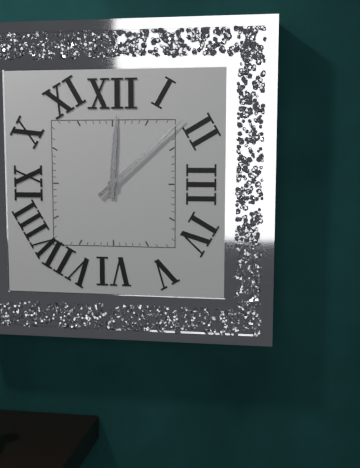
{"hour": 12, "minute": 8}
